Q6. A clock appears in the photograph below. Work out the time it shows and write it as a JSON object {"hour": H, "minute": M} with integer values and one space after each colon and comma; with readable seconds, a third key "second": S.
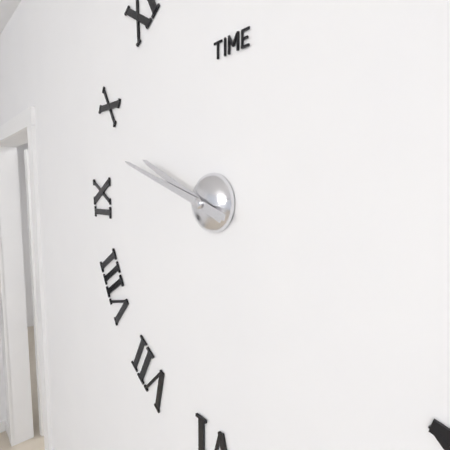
{"hour": 9, "minute": 48}
